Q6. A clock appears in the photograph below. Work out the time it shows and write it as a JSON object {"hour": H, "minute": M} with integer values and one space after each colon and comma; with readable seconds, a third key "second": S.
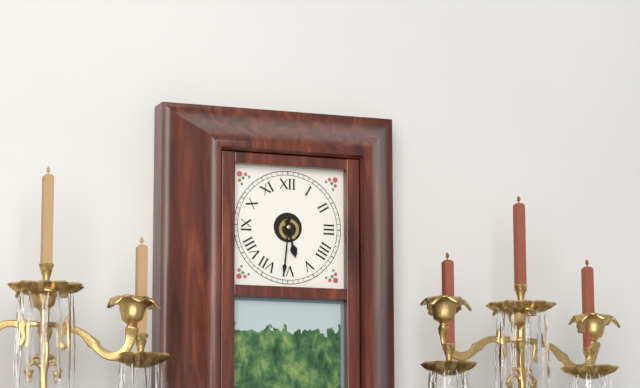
{"hour": 5, "minute": 31}
